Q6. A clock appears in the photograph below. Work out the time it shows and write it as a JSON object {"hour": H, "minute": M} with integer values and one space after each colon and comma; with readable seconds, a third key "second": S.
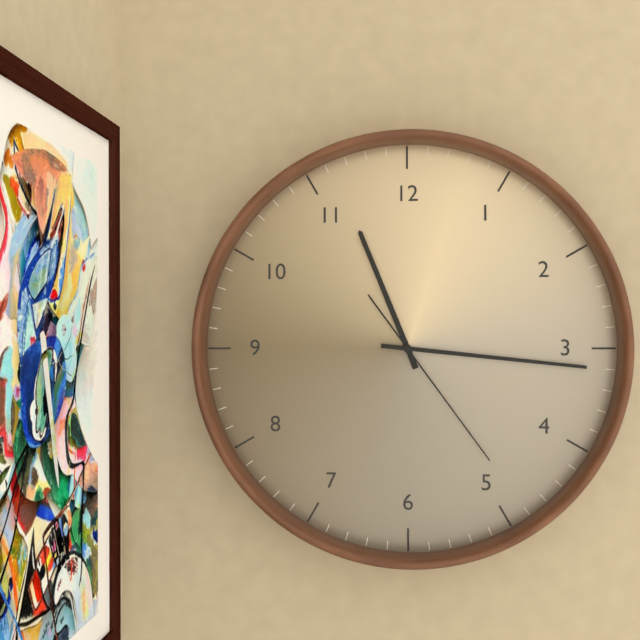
{"hour": 11, "minute": 16, "second": 24}
